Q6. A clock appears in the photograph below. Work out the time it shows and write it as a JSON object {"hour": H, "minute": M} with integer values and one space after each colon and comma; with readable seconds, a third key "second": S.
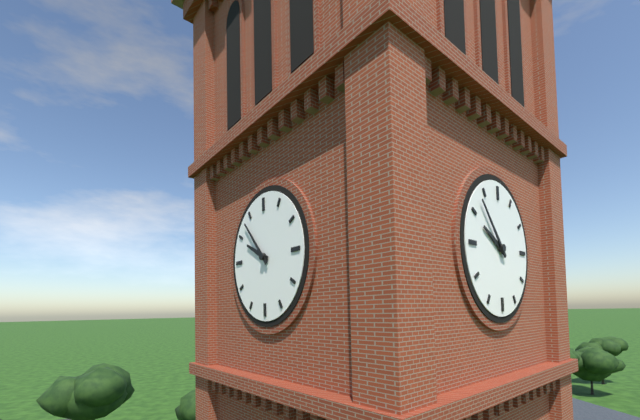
{"hour": 9, "minute": 53}
